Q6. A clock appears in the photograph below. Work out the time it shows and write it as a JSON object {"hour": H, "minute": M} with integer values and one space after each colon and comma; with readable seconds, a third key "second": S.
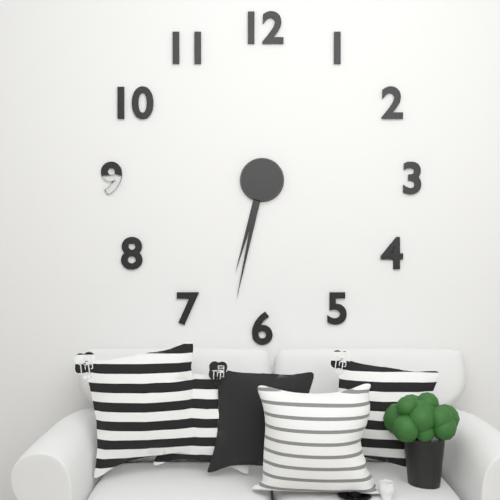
{"hour": 6, "minute": 32}
